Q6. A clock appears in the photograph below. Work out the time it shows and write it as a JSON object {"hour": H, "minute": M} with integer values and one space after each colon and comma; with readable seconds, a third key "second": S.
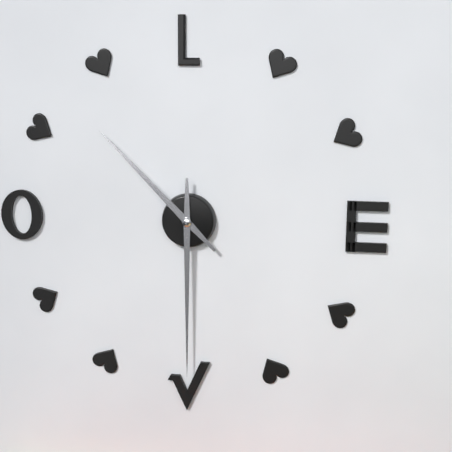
{"hour": 10, "minute": 30}
